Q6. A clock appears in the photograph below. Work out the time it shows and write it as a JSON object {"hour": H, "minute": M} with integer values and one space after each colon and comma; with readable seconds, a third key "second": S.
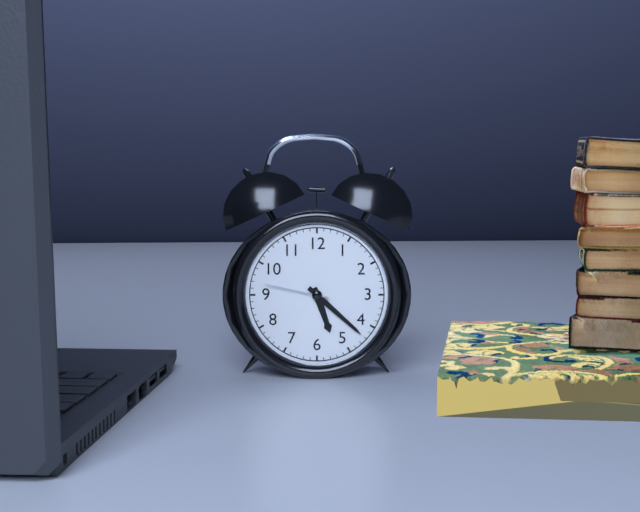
{"hour": 5, "minute": 22, "second": 47}
